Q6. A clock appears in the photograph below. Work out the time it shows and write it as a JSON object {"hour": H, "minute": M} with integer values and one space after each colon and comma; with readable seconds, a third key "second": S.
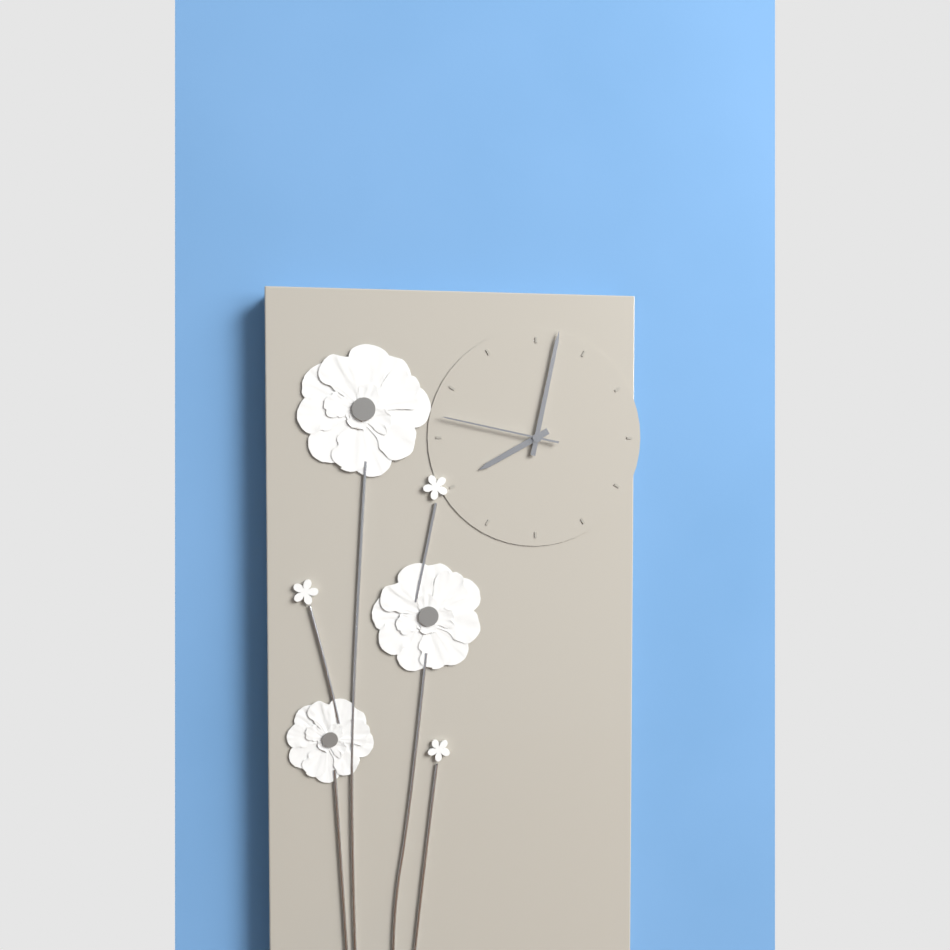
{"hour": 8, "minute": 2, "second": 47}
